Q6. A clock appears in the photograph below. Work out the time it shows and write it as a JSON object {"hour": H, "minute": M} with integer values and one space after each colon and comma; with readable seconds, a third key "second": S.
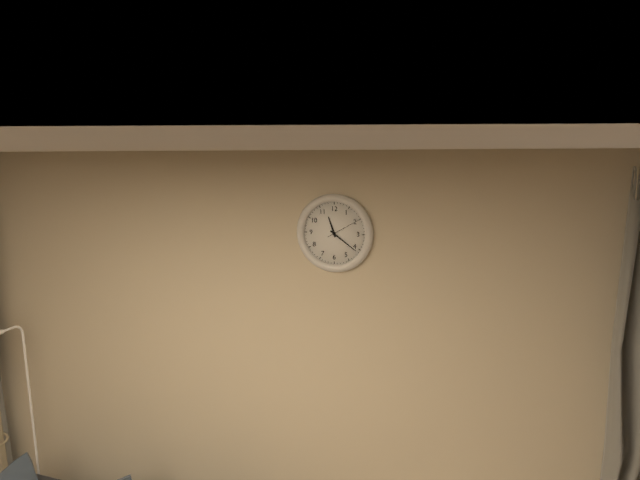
{"hour": 11, "minute": 21}
